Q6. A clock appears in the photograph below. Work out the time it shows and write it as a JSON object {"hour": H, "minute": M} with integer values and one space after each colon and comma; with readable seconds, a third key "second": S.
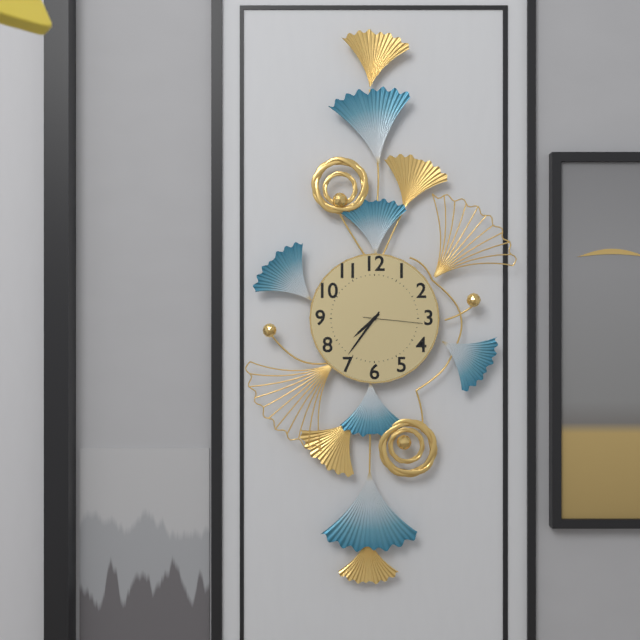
{"hour": 7, "minute": 36, "second": 16}
